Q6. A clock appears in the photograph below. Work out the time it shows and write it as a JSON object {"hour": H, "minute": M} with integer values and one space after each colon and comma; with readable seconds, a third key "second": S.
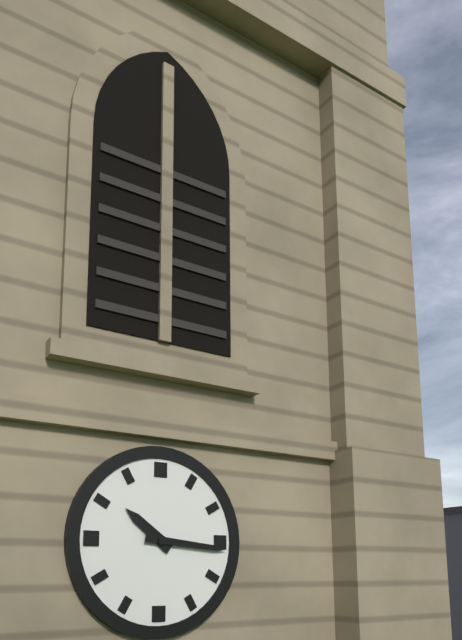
{"hour": 10, "minute": 16}
